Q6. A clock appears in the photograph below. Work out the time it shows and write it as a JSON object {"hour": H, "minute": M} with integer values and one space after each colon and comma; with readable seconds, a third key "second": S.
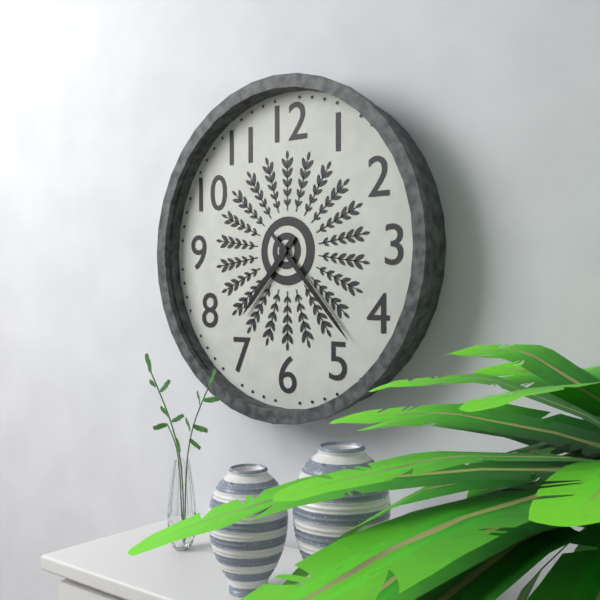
{"hour": 7, "minute": 23}
